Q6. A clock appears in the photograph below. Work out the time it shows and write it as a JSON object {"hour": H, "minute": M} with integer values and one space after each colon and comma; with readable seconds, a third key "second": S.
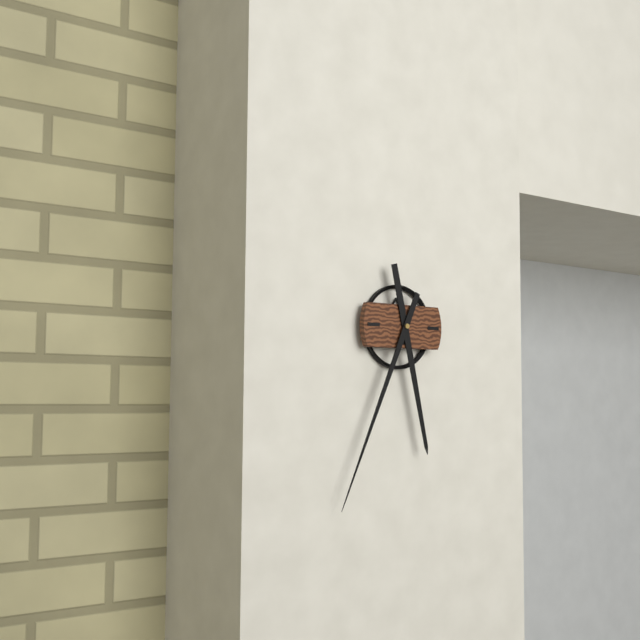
{"hour": 5, "minute": 34}
